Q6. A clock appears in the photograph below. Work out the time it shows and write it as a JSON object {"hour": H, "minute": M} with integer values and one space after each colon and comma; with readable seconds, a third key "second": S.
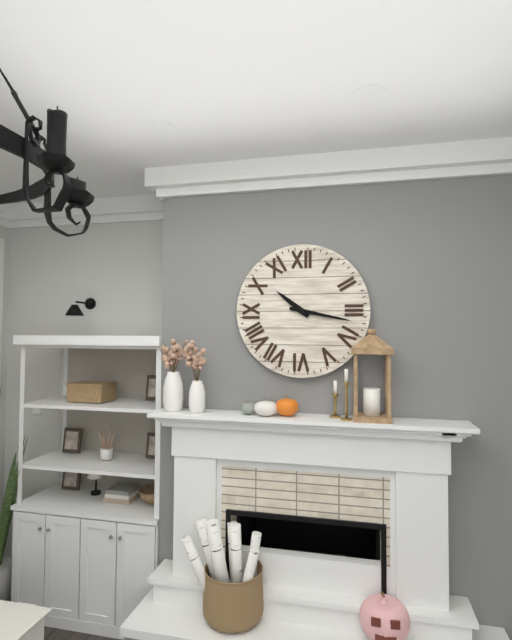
{"hour": 10, "minute": 17}
